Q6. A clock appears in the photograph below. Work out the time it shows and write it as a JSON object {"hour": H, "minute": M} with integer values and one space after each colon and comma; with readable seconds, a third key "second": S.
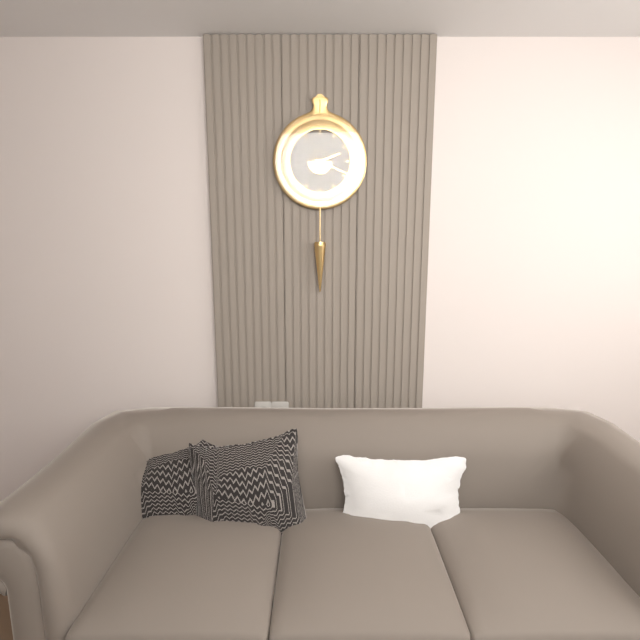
{"hour": 2, "minute": 19}
